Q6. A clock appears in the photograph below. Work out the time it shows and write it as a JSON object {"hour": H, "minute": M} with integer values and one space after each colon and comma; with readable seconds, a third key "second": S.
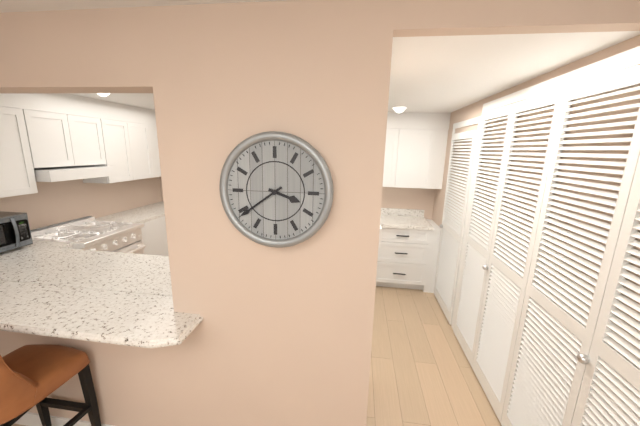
{"hour": 3, "minute": 39}
